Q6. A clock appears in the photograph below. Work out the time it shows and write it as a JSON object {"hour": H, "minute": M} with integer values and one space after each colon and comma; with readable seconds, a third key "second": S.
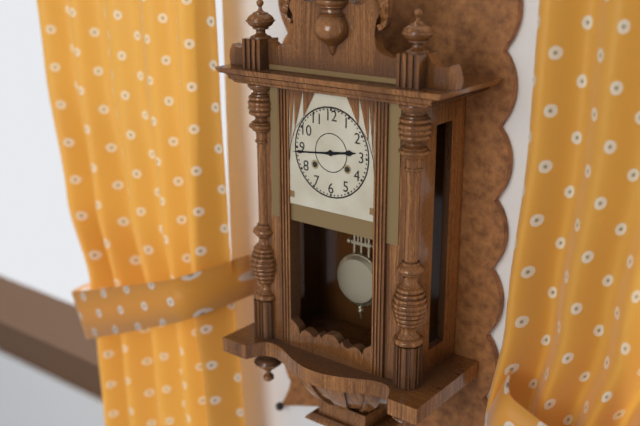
{"hour": 2, "minute": 44}
